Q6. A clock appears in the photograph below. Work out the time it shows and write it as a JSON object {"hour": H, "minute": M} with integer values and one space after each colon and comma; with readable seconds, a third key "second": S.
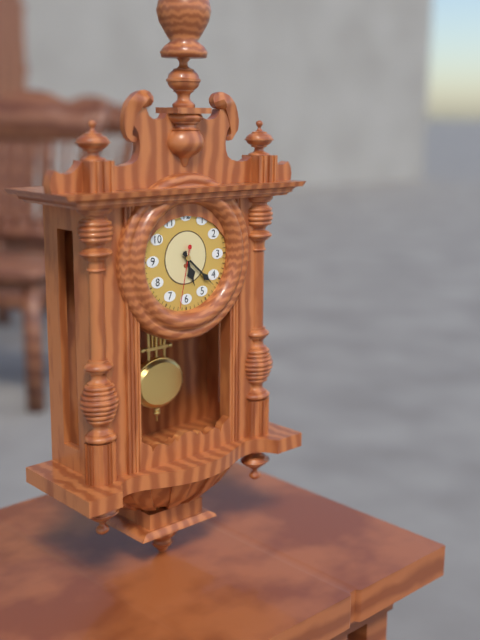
{"hour": 5, "minute": 22, "second": 32}
